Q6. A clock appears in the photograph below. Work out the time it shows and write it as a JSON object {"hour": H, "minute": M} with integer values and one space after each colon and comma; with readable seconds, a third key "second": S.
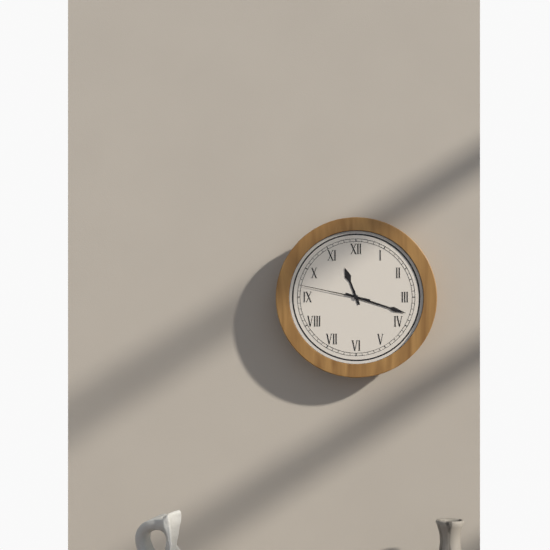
{"hour": 11, "minute": 18, "second": 47}
